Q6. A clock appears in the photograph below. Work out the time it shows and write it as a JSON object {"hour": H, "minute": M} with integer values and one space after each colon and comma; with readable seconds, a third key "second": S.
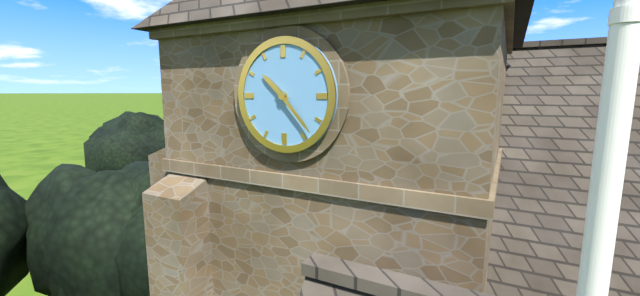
{"hour": 10, "minute": 23}
